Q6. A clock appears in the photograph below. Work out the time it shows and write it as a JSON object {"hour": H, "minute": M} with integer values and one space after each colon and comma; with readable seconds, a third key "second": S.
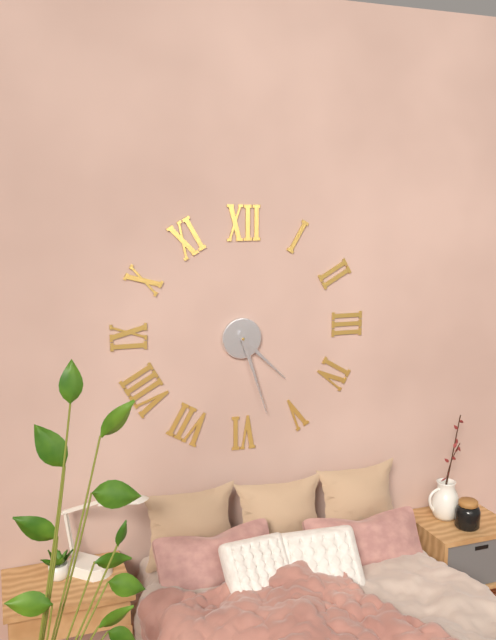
{"hour": 4, "minute": 27}
